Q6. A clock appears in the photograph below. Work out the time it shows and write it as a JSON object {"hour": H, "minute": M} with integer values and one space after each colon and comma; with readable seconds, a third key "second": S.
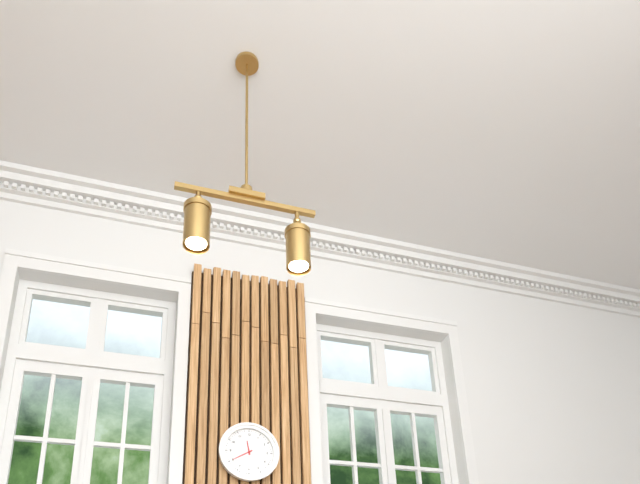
{"hour": 11, "minute": 40}
